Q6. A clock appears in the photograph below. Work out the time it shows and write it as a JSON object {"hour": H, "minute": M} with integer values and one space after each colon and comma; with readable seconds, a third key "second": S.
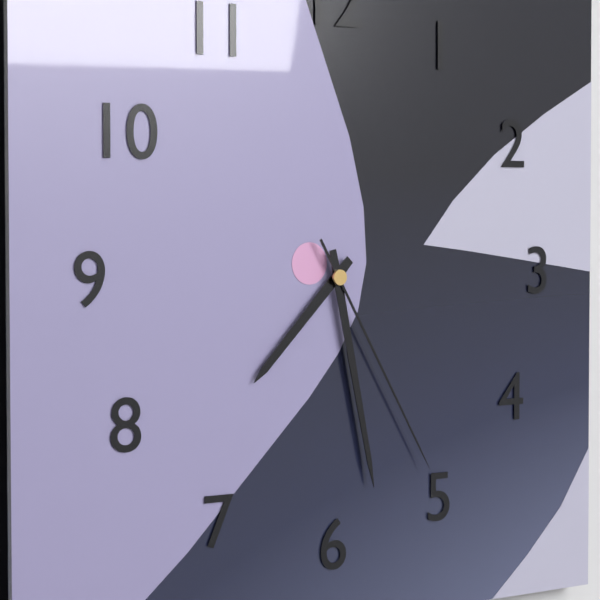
{"hour": 7, "minute": 28, "second": 25}
